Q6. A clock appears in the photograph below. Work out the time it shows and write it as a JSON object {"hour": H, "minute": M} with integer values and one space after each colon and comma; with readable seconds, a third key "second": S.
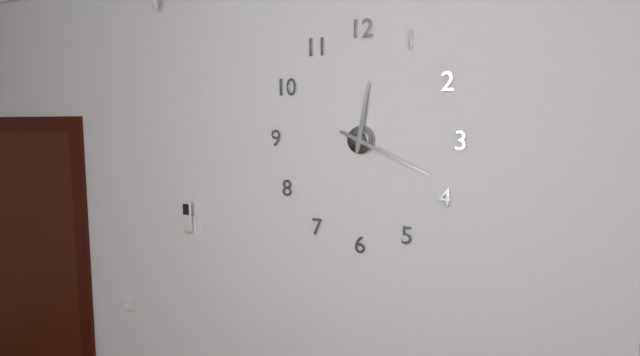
{"hour": 12, "minute": 19}
